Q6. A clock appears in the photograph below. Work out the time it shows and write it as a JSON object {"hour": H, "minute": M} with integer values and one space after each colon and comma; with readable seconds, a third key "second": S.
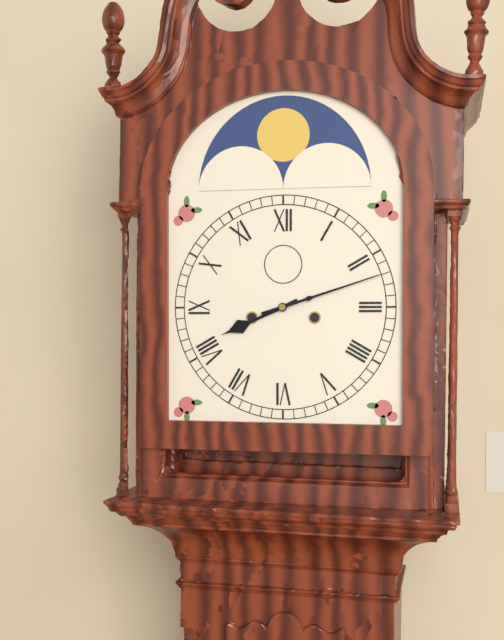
{"hour": 8, "minute": 12}
